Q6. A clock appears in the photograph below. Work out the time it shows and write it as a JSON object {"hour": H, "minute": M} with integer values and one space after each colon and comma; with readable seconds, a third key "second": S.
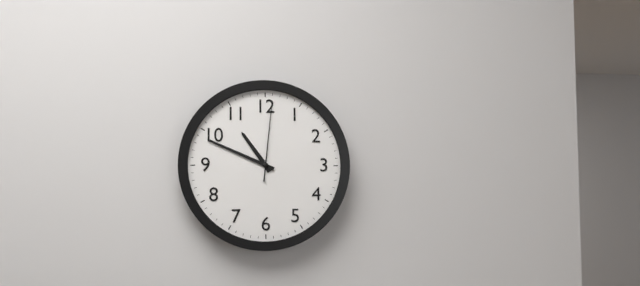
{"hour": 10, "minute": 49, "second": 1}
